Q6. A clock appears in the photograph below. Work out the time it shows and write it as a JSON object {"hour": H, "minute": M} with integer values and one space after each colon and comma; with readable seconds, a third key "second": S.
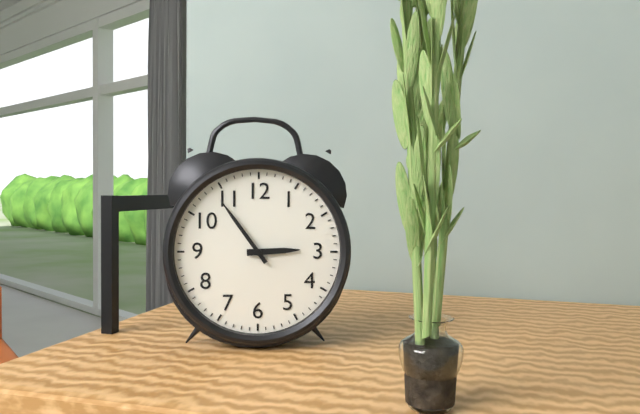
{"hour": 2, "minute": 54}
